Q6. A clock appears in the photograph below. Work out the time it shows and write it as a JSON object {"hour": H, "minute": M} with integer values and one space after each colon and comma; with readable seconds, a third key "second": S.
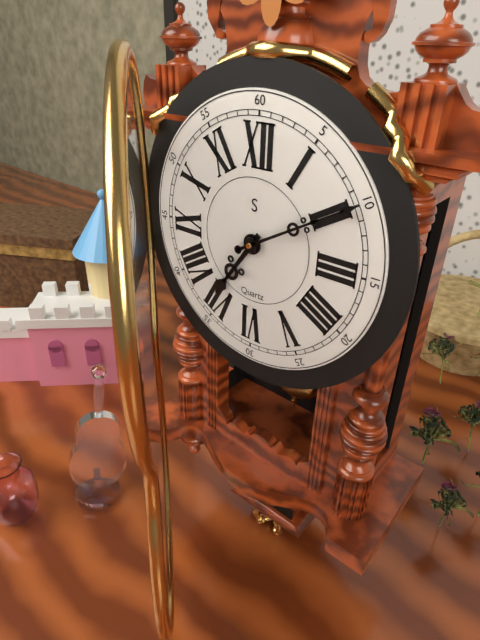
{"hour": 7, "minute": 10}
